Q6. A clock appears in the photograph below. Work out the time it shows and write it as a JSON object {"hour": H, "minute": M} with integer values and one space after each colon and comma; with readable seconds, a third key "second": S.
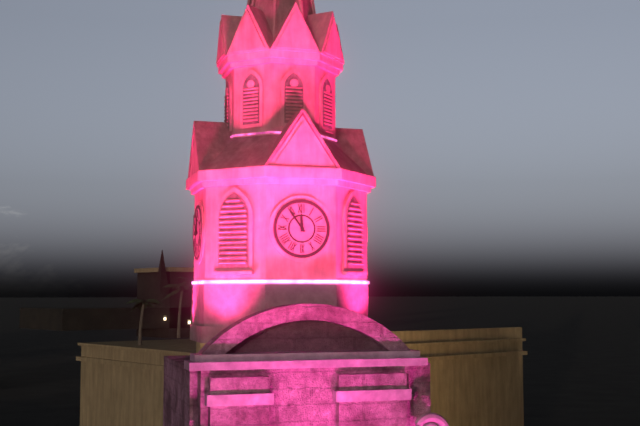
{"hour": 11, "minute": 54}
